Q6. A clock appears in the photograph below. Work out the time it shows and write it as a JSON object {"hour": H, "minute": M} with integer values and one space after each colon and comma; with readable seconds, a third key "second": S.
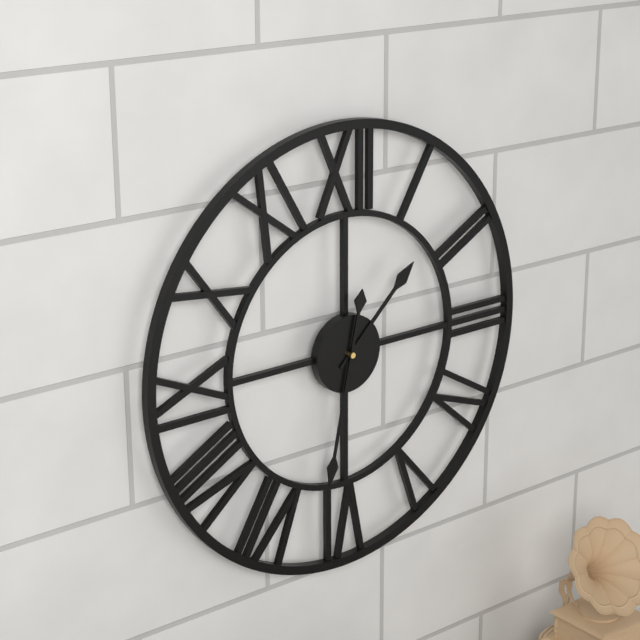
{"hour": 1, "minute": 32}
